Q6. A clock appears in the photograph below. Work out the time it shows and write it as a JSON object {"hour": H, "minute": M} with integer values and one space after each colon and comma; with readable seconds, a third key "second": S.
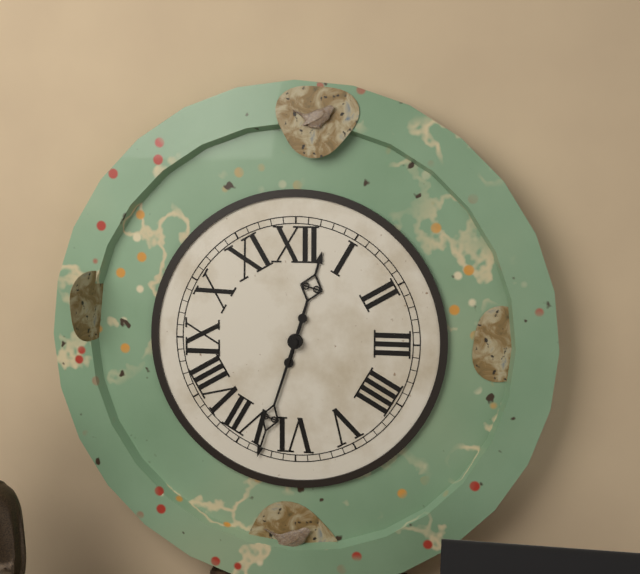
{"hour": 12, "minute": 33}
